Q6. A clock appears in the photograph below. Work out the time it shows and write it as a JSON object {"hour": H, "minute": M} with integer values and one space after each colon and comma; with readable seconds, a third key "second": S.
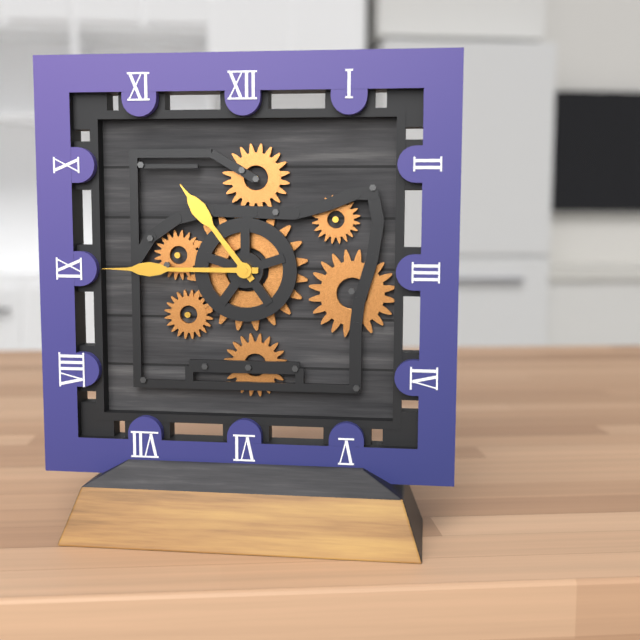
{"hour": 10, "minute": 45}
